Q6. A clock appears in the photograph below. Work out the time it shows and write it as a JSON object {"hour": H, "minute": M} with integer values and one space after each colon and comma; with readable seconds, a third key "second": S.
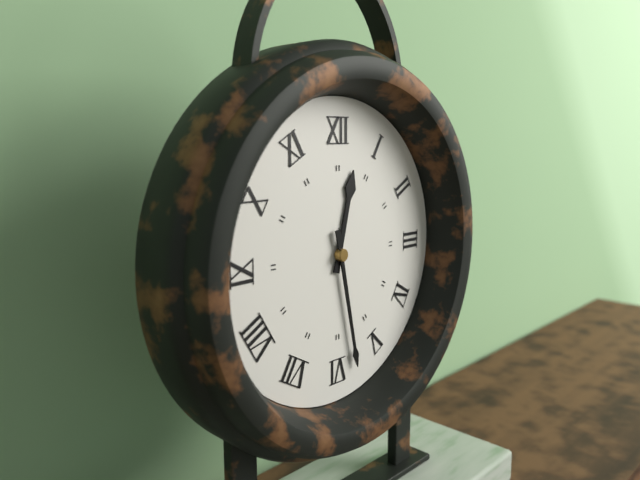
{"hour": 12, "minute": 28}
